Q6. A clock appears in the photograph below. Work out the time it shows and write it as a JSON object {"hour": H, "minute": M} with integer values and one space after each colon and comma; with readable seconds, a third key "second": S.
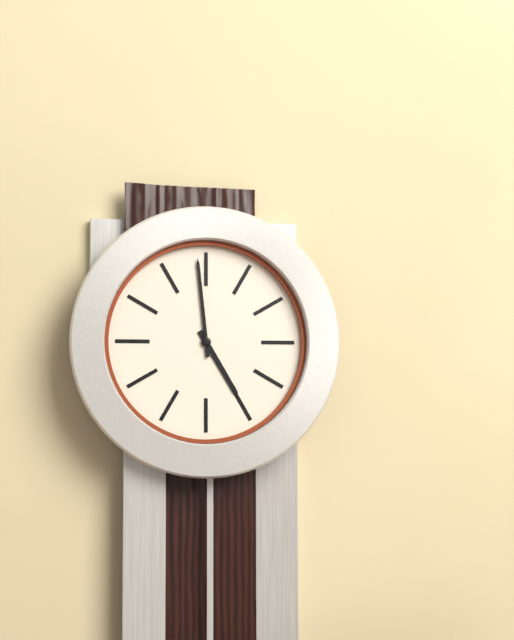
{"hour": 4, "minute": 59}
